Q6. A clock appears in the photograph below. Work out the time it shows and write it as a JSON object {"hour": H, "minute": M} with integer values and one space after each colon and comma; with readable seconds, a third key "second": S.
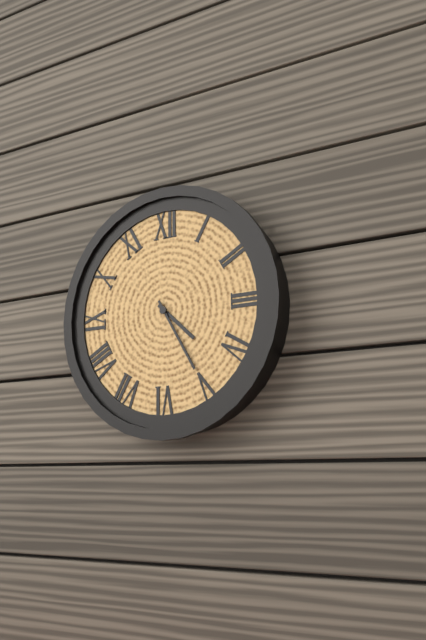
{"hour": 4, "minute": 25}
